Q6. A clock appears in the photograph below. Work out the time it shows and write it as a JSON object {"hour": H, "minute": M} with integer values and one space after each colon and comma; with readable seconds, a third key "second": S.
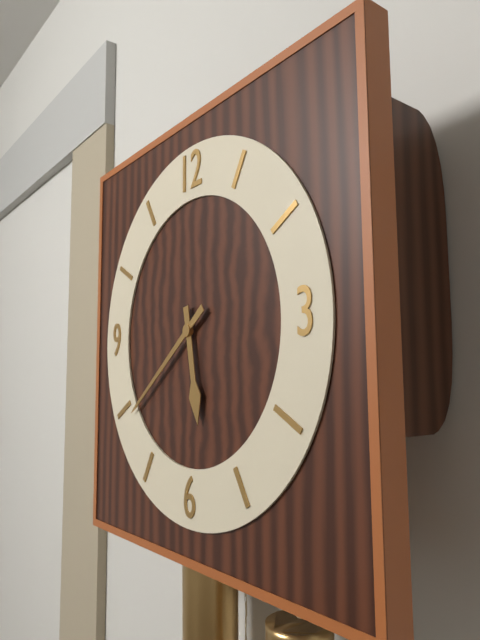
{"hour": 5, "minute": 39}
